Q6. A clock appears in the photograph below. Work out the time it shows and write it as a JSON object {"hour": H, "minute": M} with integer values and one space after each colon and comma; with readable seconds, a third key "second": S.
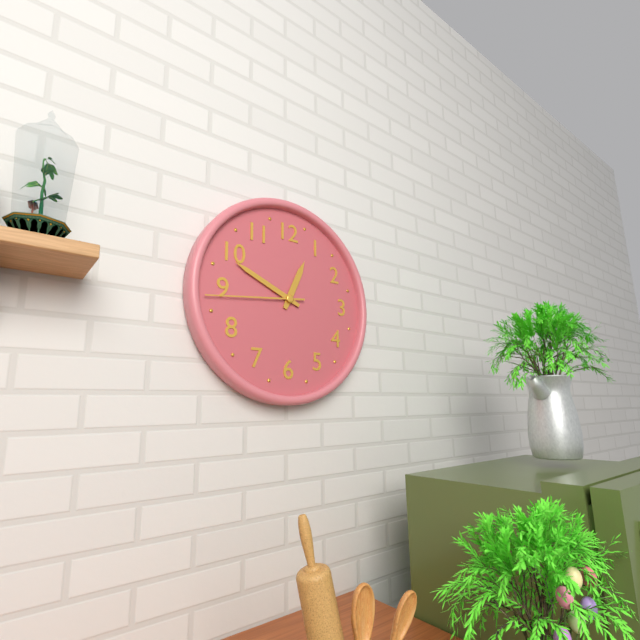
{"hour": 12, "minute": 49, "second": 44}
